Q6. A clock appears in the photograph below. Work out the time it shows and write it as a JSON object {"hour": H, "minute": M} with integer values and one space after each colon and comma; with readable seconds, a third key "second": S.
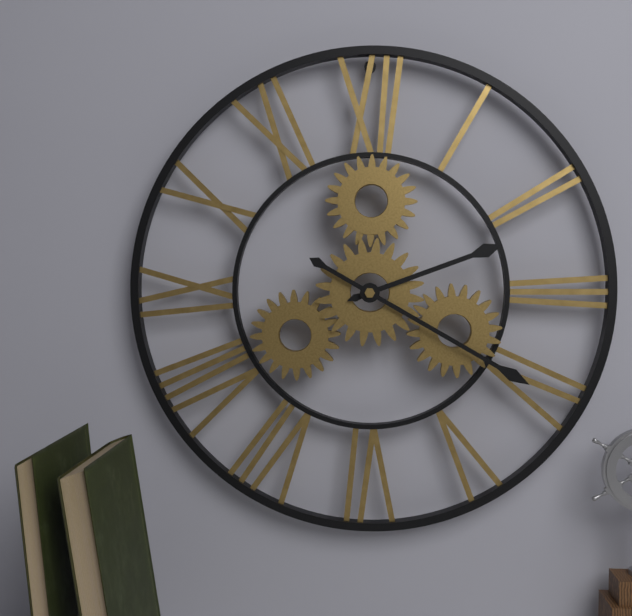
{"hour": 2, "minute": 20}
